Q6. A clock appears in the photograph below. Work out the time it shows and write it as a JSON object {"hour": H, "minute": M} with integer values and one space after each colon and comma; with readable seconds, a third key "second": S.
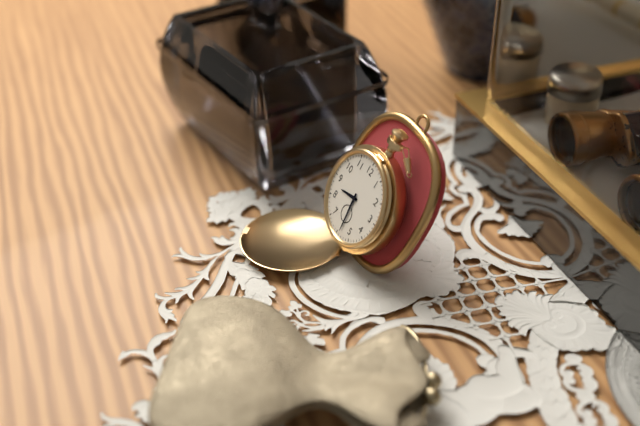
{"hour": 8, "minute": 29}
